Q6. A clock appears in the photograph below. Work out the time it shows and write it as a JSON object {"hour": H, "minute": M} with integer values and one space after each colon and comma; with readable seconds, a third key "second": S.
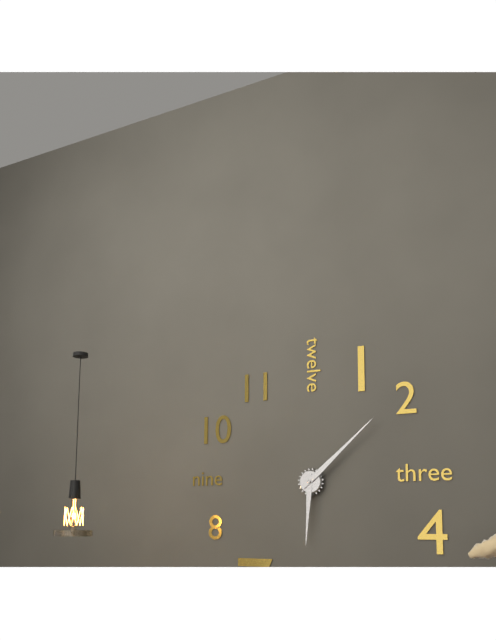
{"hour": 6, "minute": 8}
